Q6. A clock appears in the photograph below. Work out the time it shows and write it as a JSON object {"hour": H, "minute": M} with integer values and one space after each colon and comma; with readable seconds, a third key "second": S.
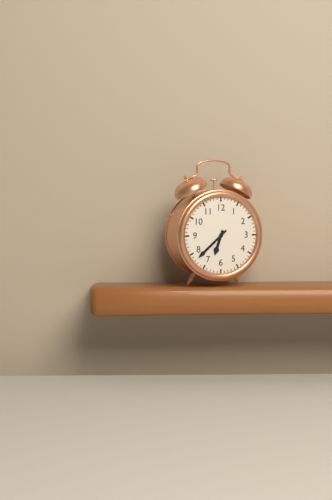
{"hour": 6, "minute": 38}
